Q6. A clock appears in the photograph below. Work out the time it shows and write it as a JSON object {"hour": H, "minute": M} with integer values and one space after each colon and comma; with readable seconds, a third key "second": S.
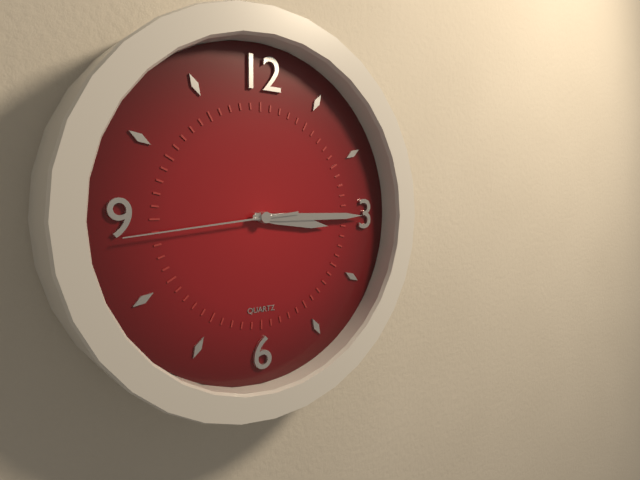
{"hour": 3, "minute": 15, "second": 44}
